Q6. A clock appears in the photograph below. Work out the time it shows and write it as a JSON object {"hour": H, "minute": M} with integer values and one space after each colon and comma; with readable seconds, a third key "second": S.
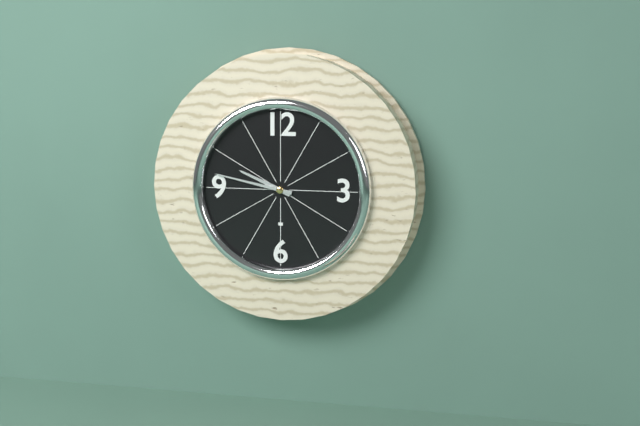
{"hour": 9, "minute": 47}
